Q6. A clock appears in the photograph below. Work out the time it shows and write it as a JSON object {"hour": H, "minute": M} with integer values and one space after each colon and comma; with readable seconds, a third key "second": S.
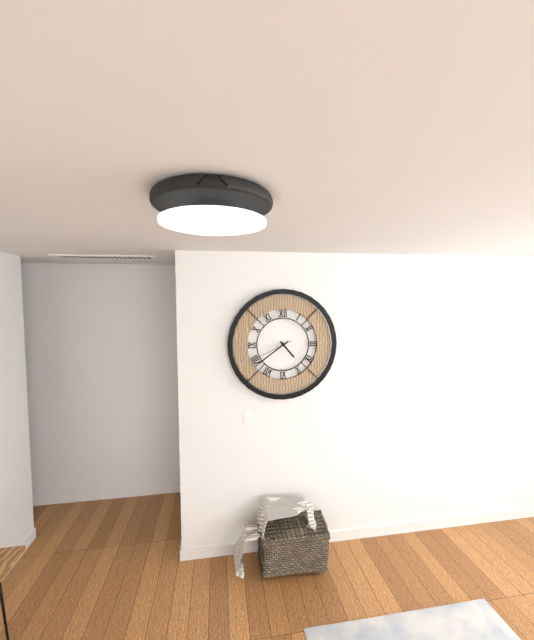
{"hour": 4, "minute": 39}
